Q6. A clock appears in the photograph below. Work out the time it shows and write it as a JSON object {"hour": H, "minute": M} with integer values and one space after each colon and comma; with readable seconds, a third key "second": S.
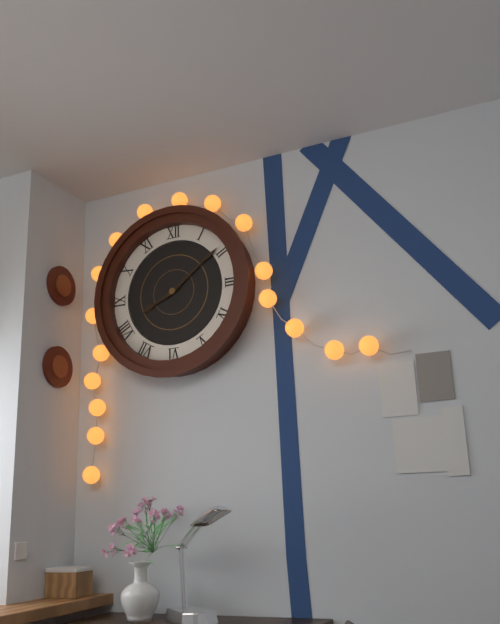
{"hour": 8, "minute": 9}
